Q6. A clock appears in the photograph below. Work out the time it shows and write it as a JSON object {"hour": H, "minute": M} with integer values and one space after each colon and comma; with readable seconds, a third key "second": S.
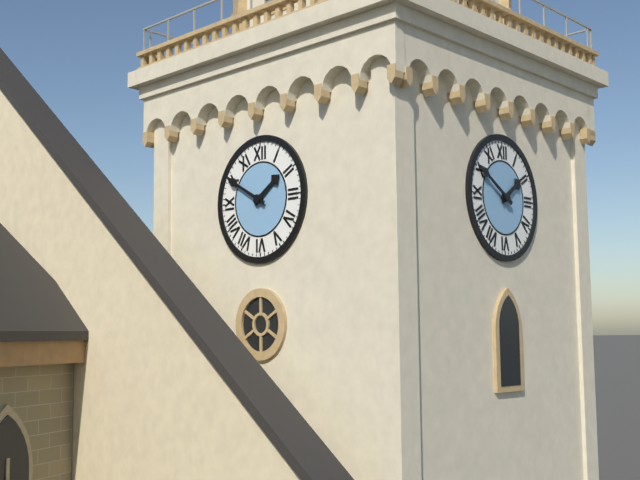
{"hour": 1, "minute": 50}
